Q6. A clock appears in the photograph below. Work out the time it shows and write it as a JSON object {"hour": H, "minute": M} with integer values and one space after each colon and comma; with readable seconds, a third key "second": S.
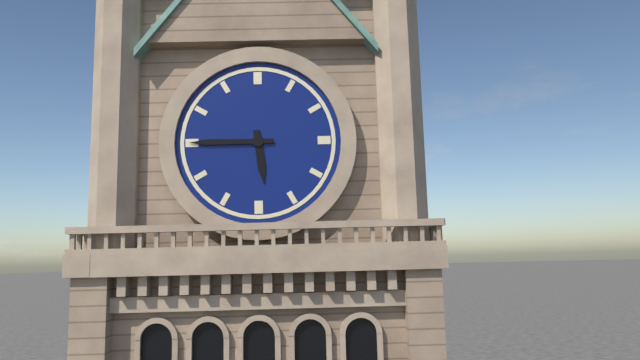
{"hour": 5, "minute": 45}
